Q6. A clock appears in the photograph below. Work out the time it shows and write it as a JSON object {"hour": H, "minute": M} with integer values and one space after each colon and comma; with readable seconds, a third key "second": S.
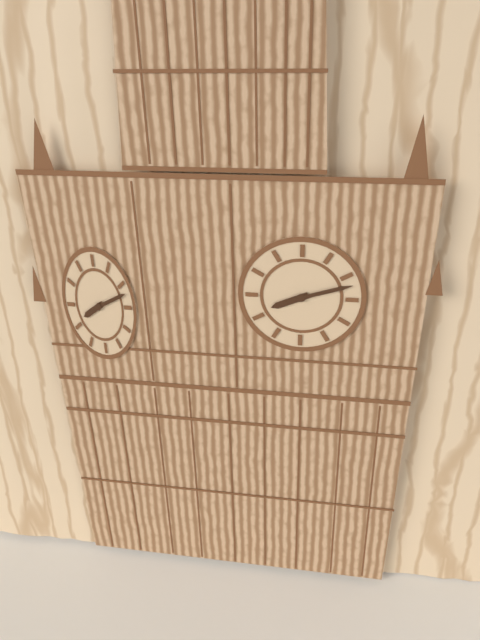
{"hour": 8, "minute": 12}
